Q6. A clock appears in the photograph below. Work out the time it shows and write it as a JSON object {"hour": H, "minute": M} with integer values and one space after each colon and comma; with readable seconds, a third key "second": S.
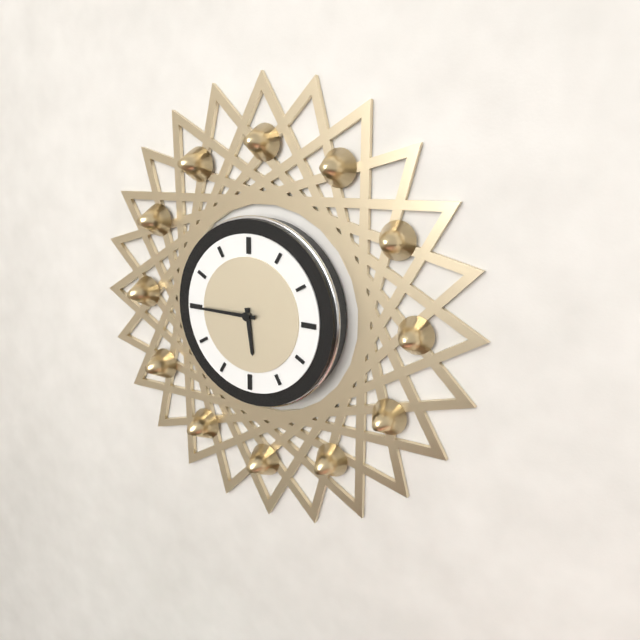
{"hour": 5, "minute": 45}
